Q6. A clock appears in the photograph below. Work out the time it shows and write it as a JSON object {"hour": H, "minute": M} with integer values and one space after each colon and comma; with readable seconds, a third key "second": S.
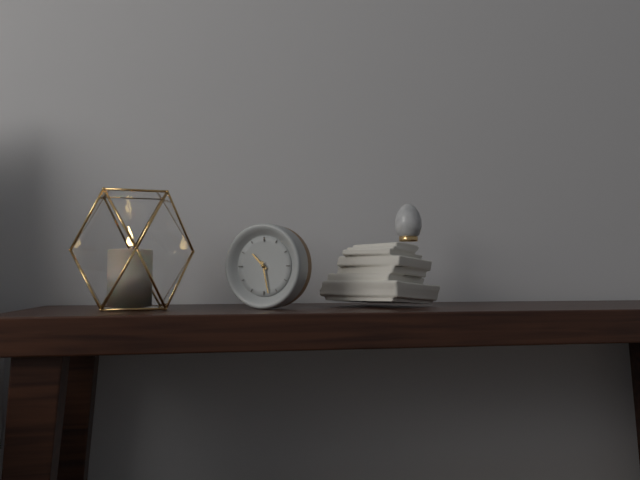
{"hour": 10, "minute": 28}
